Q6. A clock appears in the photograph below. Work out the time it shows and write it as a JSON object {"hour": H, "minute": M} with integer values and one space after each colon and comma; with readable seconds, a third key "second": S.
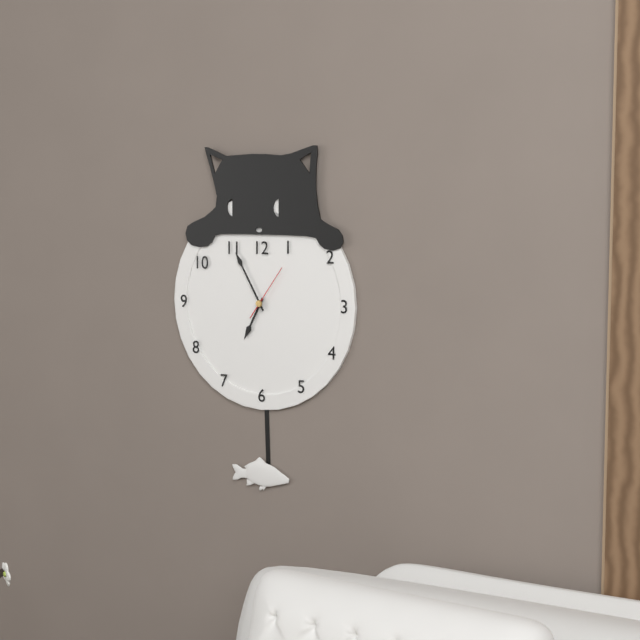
{"hour": 6, "minute": 55, "second": 6}
